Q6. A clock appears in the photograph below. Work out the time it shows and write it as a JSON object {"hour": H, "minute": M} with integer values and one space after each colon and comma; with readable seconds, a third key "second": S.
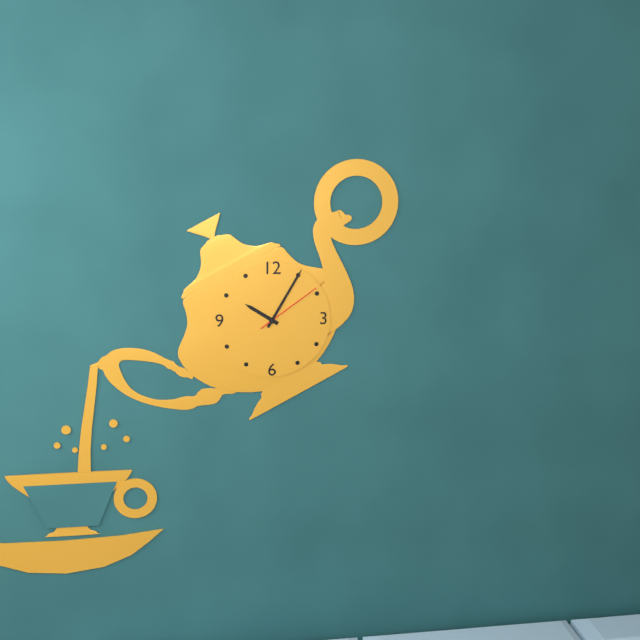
{"hour": 10, "minute": 5, "second": 9}
